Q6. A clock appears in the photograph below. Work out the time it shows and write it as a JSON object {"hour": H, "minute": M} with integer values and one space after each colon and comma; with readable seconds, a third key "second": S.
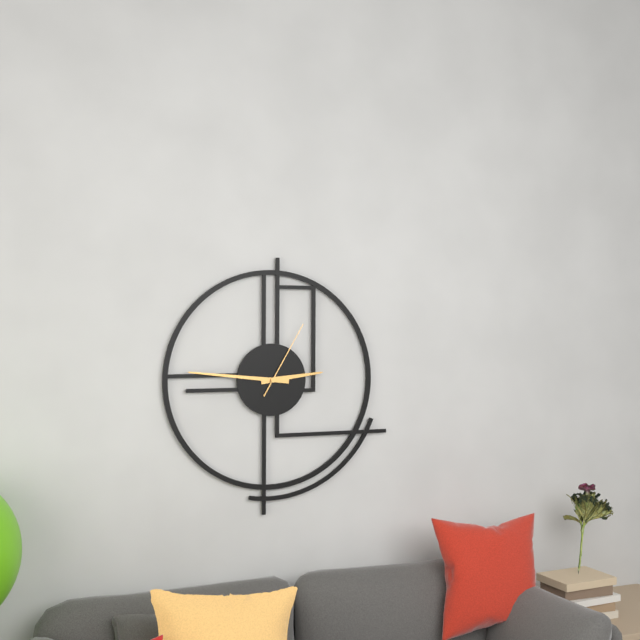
{"hour": 2, "minute": 46, "second": 5}
